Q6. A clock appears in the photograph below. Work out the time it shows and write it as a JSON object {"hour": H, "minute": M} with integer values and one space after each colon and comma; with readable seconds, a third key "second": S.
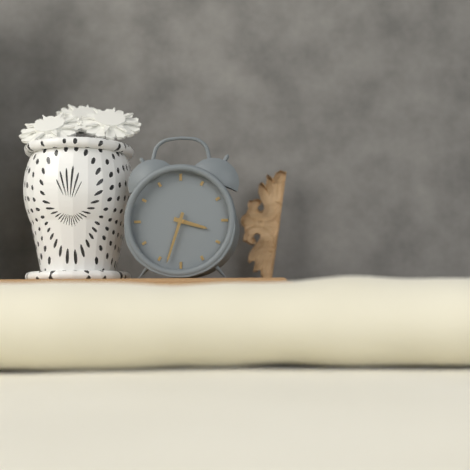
{"hour": 3, "minute": 33}
